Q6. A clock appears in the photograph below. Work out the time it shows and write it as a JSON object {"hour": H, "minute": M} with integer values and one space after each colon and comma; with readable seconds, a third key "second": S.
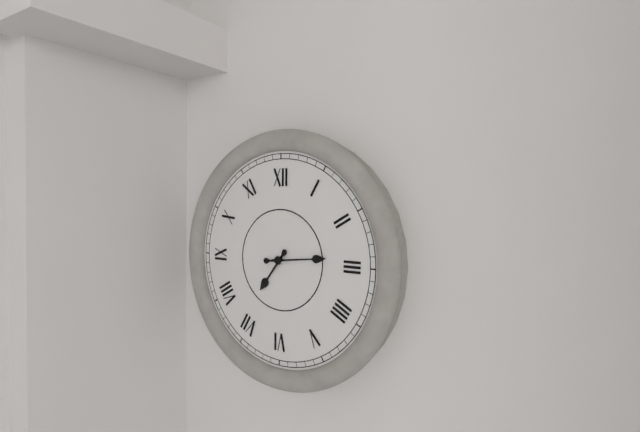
{"hour": 7, "minute": 14}
